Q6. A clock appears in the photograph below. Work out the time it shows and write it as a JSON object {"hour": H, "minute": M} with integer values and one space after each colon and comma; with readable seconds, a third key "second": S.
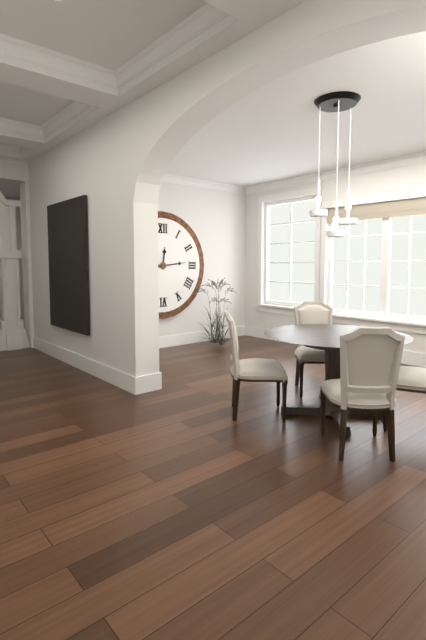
{"hour": 12, "minute": 14}
